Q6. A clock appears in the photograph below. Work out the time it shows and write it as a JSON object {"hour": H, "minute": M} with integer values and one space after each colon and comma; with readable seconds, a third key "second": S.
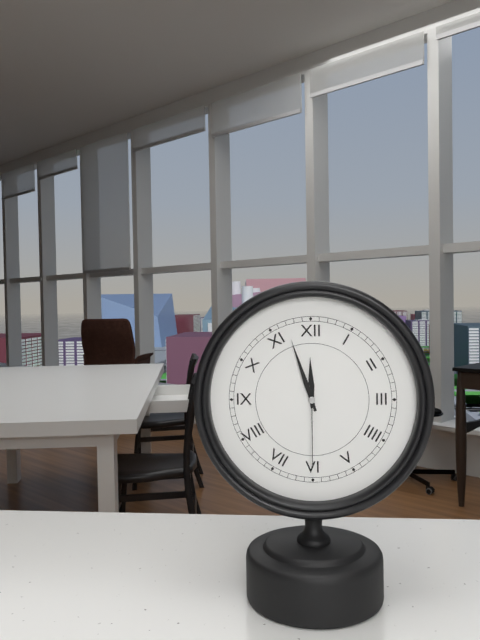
{"hour": 11, "minute": 57, "second": 30}
